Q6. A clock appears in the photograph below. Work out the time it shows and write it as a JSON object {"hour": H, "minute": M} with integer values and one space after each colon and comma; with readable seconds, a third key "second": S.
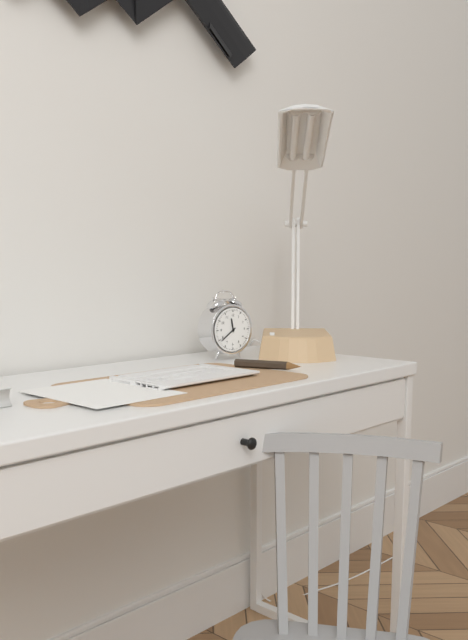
{"hour": 11, "minute": 39}
